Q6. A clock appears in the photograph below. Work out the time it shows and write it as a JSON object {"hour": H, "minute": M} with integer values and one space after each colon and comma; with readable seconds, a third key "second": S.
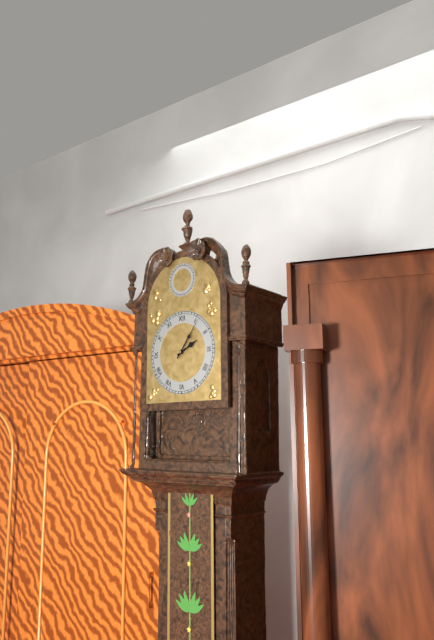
{"hour": 2, "minute": 6}
